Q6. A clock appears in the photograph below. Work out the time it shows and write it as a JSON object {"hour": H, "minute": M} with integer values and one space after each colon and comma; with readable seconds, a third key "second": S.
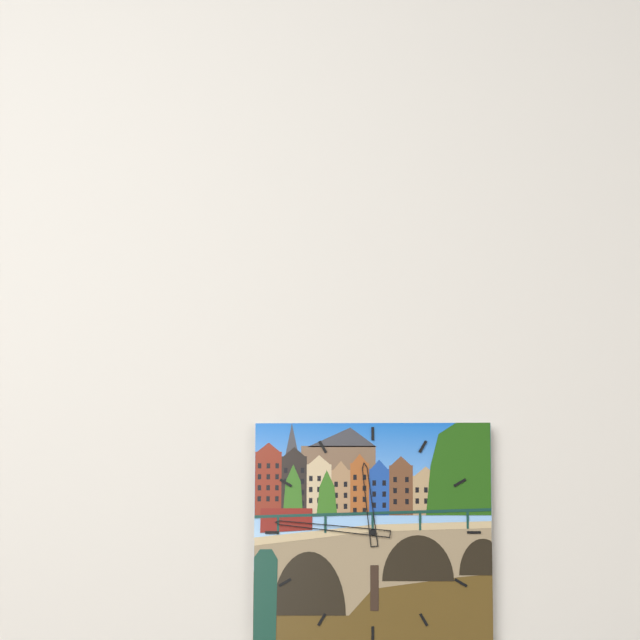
{"hour": 11, "minute": 46}
